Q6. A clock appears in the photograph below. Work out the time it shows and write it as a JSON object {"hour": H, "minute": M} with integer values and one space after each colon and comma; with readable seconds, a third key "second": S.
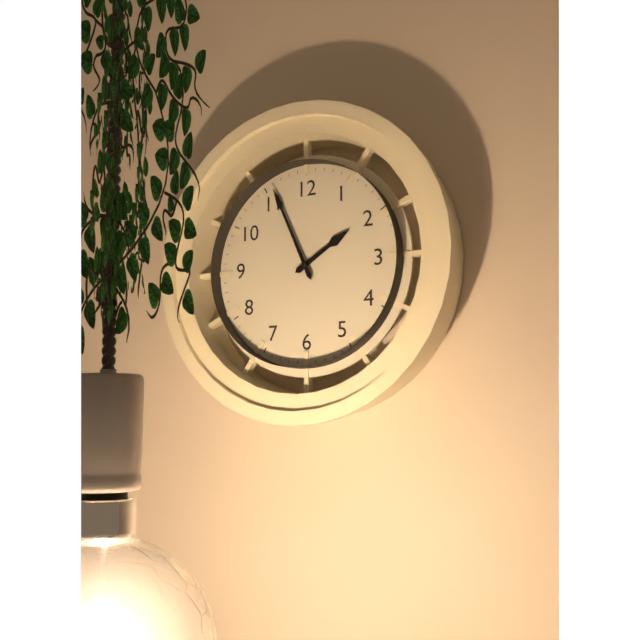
{"hour": 1, "minute": 56}
